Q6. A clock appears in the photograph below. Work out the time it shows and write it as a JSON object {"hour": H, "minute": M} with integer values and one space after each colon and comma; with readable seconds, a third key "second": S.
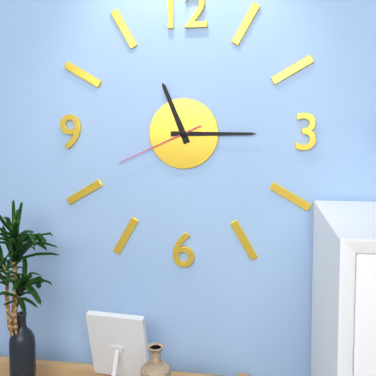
{"hour": 11, "minute": 15, "second": 41}
